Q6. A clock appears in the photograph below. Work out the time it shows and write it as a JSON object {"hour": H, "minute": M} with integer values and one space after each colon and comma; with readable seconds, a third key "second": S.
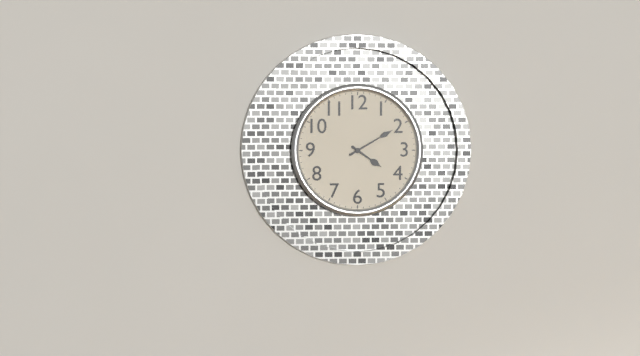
{"hour": 4, "minute": 10}
